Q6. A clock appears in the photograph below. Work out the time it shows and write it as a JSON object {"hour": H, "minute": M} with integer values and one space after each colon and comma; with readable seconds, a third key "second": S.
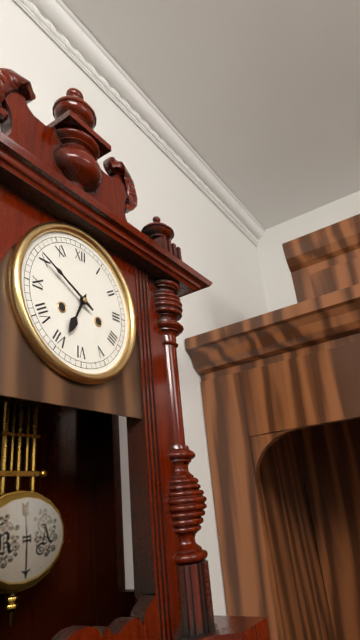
{"hour": 6, "minute": 50}
